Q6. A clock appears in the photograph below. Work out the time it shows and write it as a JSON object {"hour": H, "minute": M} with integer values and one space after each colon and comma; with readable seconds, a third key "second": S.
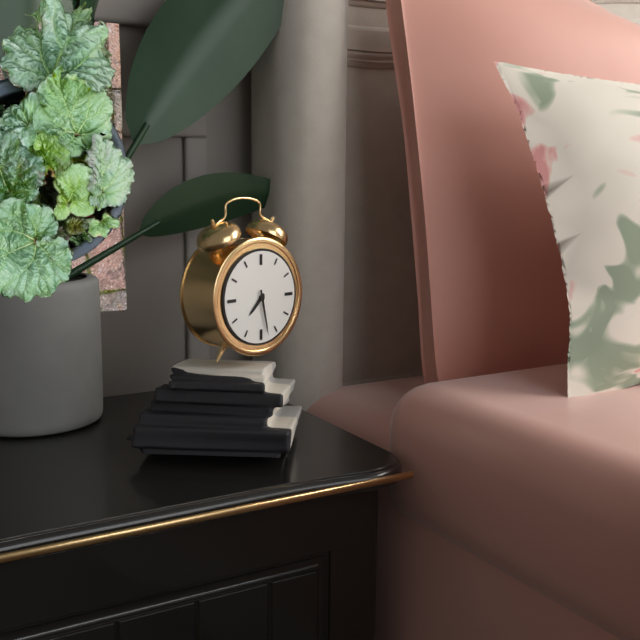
{"hour": 7, "minute": 28}
